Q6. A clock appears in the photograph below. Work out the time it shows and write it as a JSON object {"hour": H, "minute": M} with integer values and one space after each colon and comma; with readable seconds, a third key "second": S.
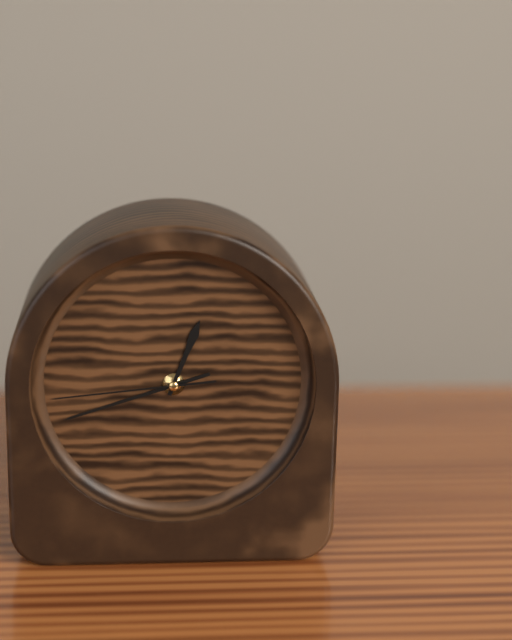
{"hour": 12, "minute": 42, "second": 44}
